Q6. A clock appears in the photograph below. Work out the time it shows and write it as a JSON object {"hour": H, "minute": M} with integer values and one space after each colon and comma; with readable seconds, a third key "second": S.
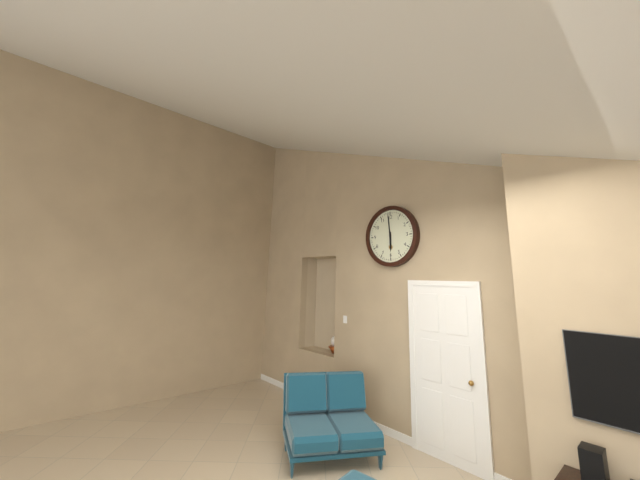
{"hour": 5, "minute": 59}
